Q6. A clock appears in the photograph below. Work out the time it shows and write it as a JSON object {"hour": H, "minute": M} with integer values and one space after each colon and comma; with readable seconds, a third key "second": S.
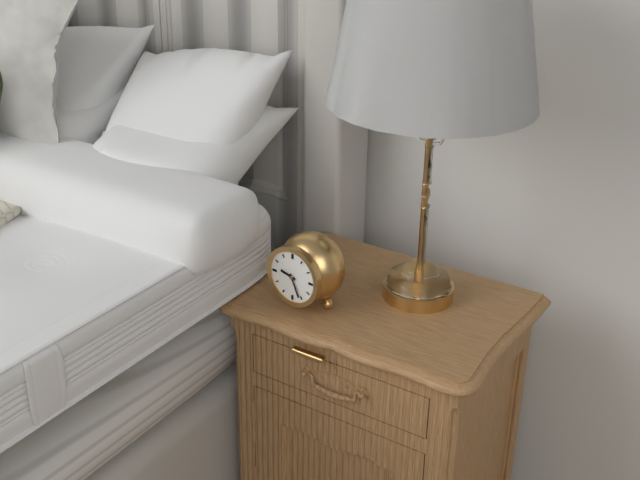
{"hour": 9, "minute": 26}
